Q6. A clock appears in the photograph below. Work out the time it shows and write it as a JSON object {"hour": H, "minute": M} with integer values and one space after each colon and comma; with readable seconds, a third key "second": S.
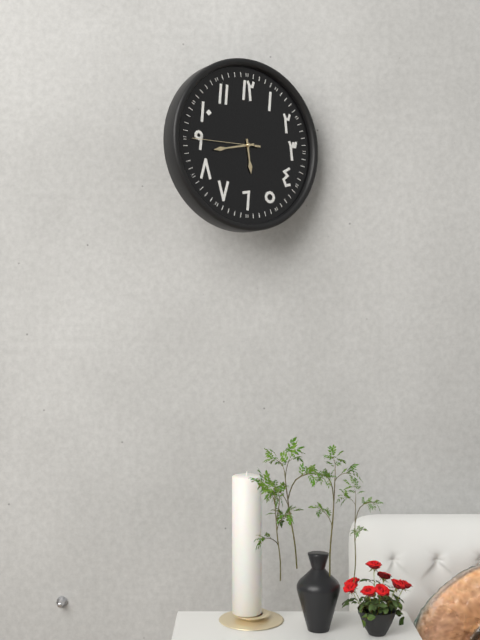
{"hour": 5, "minute": 43, "second": 45}
